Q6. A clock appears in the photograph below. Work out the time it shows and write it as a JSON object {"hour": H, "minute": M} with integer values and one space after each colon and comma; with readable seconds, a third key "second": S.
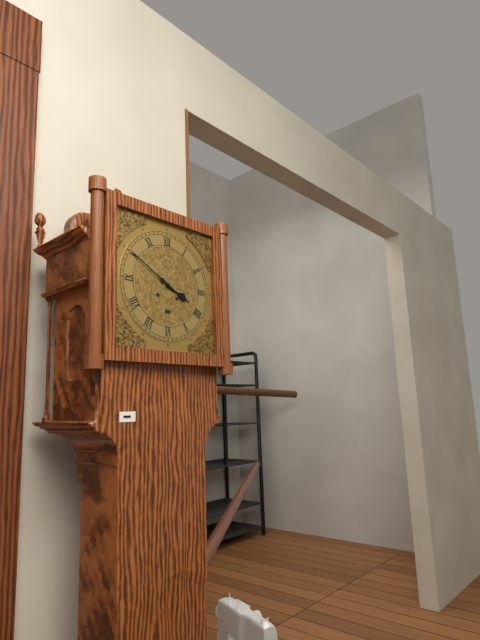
{"hour": 3, "minute": 50}
